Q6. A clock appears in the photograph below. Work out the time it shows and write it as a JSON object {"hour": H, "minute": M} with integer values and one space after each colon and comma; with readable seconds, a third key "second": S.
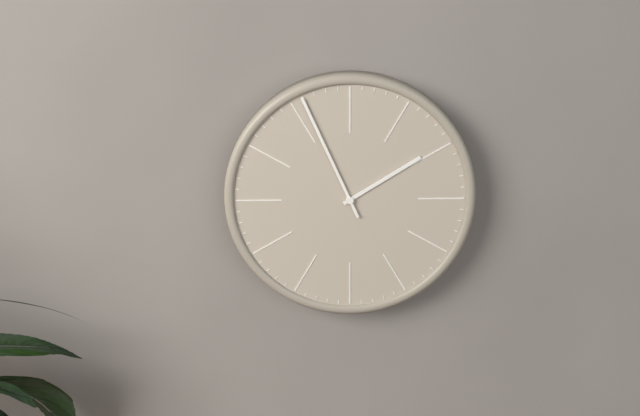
{"hour": 1, "minute": 56}
